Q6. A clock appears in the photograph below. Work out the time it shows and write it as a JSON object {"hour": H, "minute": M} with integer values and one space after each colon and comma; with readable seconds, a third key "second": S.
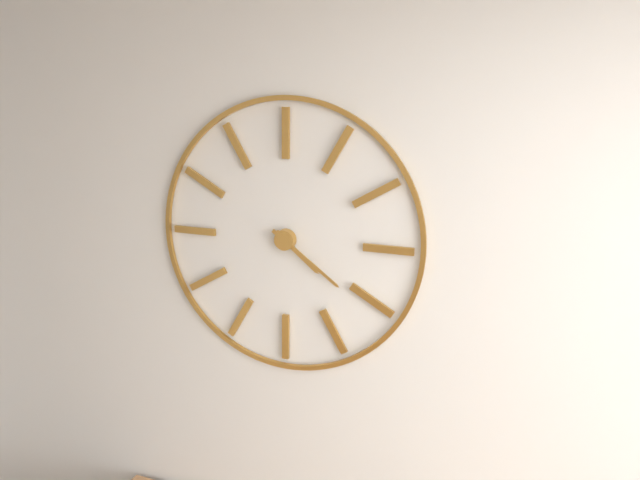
{"hour": 4, "minute": 21}
